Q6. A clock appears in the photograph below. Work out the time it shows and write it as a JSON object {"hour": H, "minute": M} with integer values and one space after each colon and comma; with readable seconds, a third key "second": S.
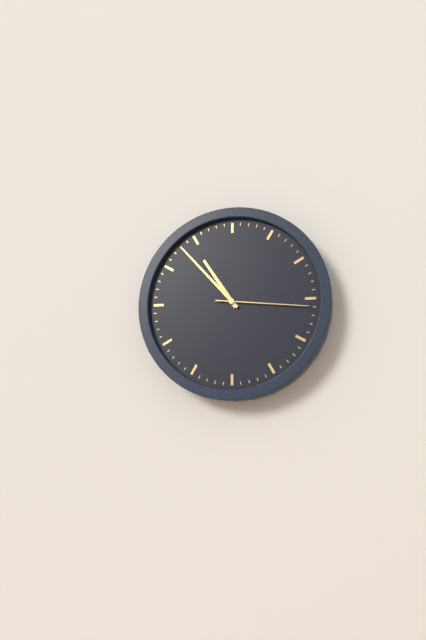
{"hour": 10, "minute": 53, "second": 16}
